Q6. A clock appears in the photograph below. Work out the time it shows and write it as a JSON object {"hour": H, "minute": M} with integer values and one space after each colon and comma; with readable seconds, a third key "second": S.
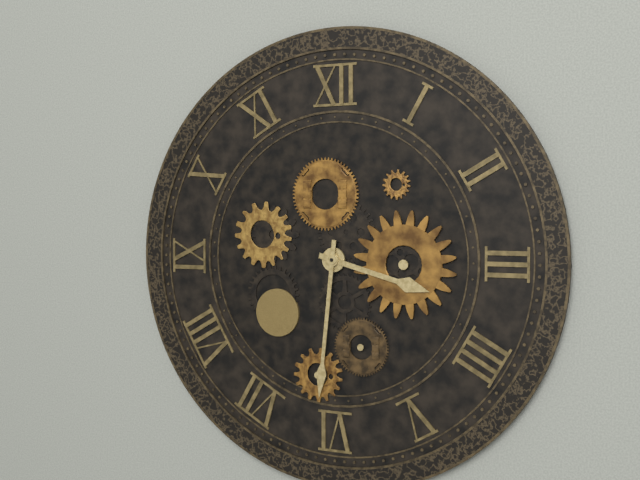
{"hour": 3, "minute": 31}
